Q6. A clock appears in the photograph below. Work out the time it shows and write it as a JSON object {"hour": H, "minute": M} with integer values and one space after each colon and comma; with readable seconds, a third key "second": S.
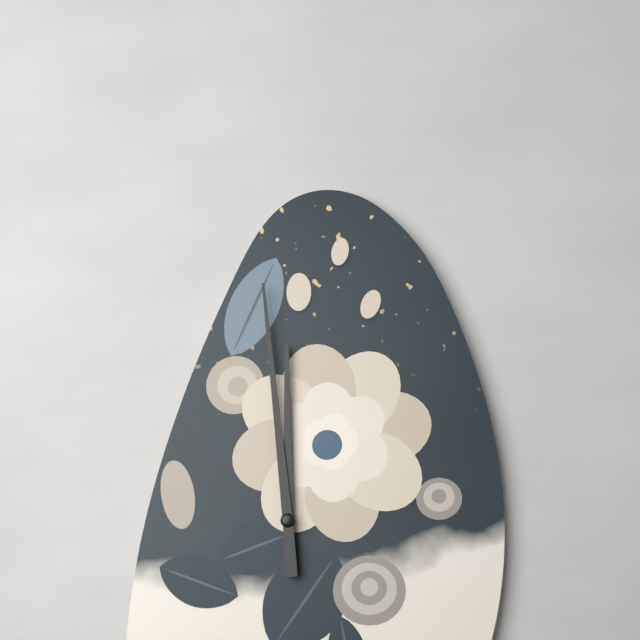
{"hour": 11, "minute": 59}
